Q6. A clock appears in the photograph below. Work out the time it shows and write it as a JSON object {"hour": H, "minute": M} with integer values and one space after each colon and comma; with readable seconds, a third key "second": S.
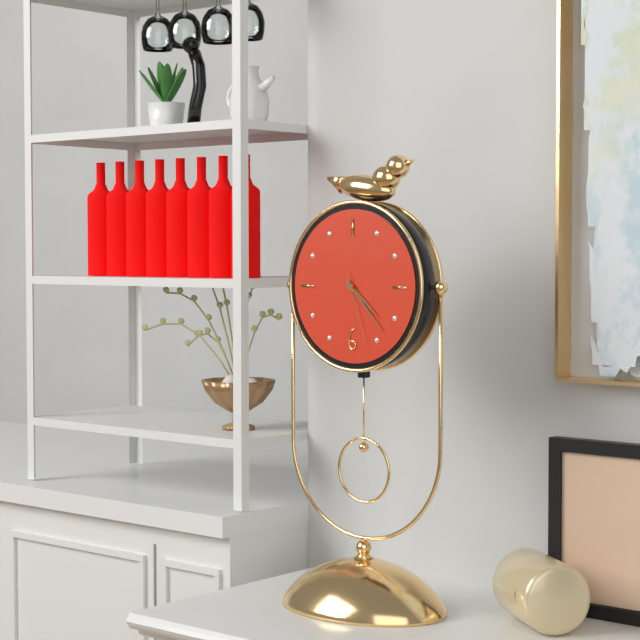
{"hour": 4, "minute": 23, "second": 27}
